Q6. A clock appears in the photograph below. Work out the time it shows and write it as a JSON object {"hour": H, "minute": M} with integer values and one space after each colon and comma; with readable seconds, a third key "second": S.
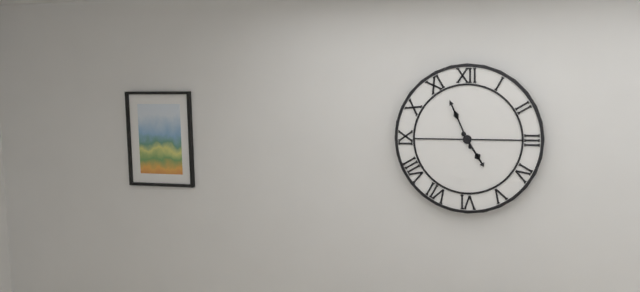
{"hour": 4, "minute": 56}
